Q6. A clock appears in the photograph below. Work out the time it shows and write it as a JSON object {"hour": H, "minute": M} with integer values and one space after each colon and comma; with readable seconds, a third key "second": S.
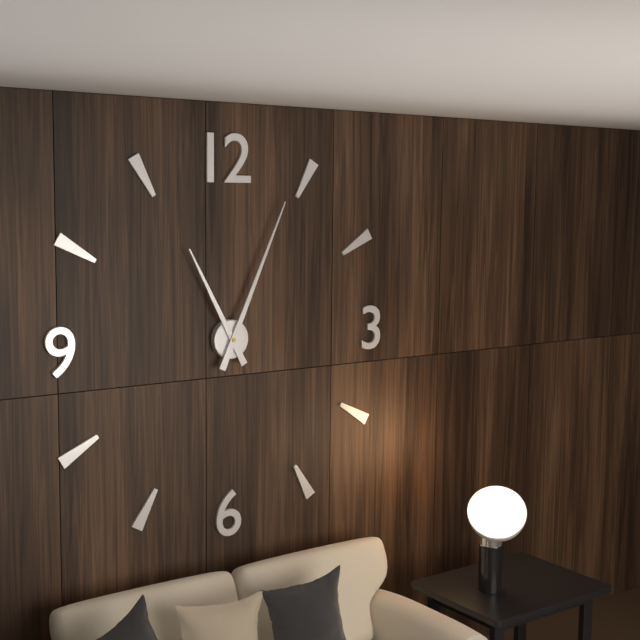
{"hour": 11, "minute": 4}
